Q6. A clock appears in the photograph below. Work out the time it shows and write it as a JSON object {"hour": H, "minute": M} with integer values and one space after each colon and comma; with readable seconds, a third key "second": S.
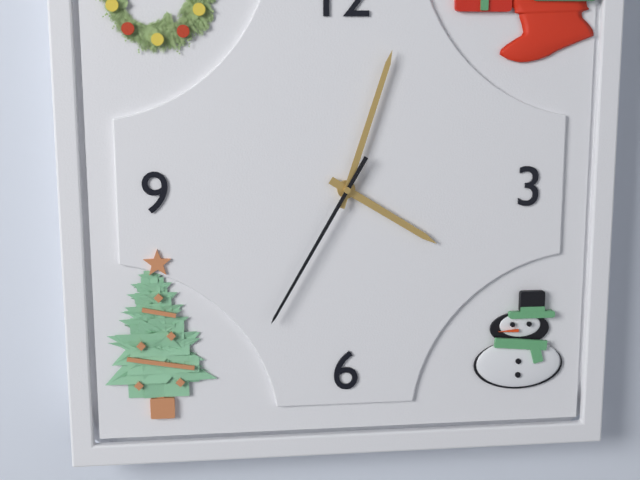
{"hour": 4, "minute": 3, "second": 35}
